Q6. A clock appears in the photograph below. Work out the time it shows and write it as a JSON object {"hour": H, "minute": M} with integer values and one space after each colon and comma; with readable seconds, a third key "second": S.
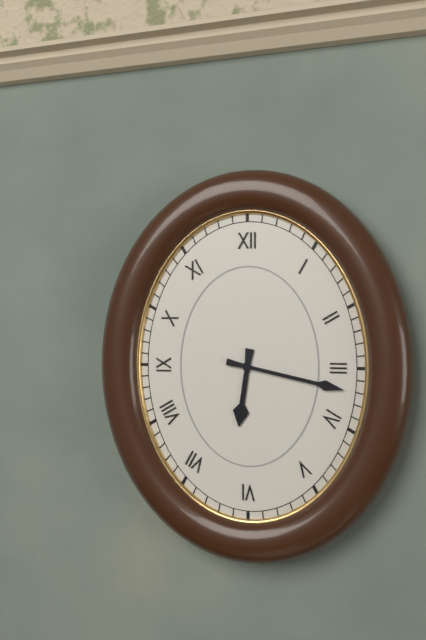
{"hour": 6, "minute": 17}
